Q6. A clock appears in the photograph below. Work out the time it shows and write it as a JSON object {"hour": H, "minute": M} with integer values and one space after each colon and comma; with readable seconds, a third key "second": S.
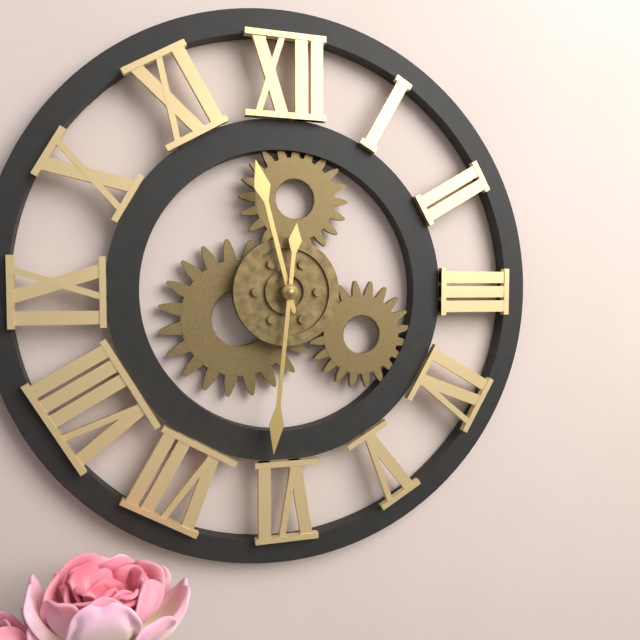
{"hour": 11, "minute": 31}
